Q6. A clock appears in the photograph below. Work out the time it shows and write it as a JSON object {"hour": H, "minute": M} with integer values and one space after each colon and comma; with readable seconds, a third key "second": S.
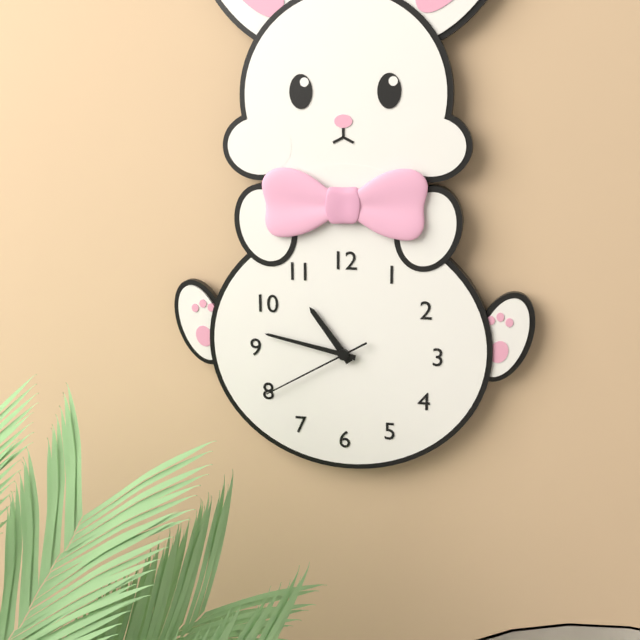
{"hour": 10, "minute": 47, "second": 40}
